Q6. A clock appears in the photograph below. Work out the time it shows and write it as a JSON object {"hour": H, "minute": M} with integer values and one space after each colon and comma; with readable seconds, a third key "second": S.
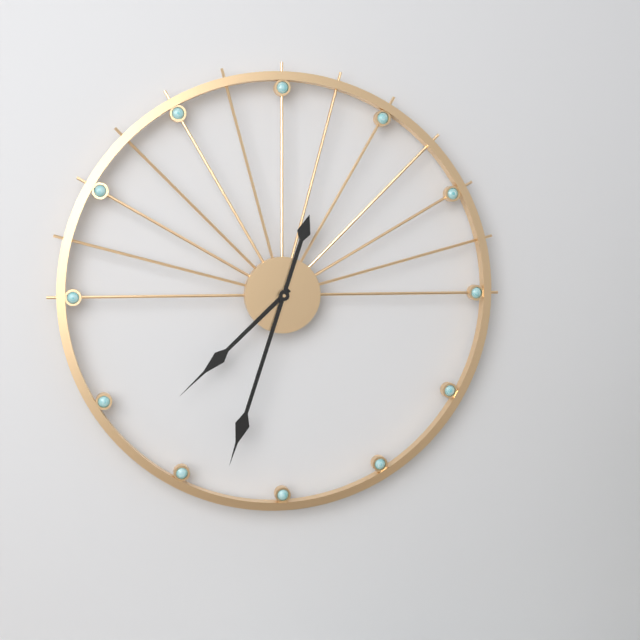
{"hour": 7, "minute": 33}
